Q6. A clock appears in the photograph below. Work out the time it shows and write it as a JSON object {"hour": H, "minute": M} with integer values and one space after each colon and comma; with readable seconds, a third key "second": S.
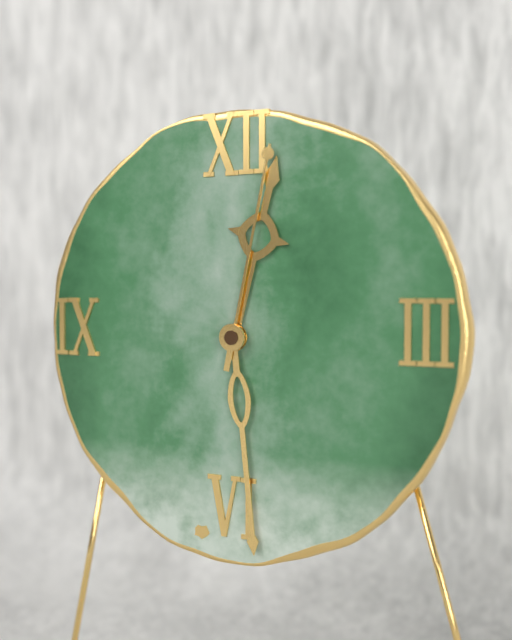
{"hour": 12, "minute": 29, "second": 2}
